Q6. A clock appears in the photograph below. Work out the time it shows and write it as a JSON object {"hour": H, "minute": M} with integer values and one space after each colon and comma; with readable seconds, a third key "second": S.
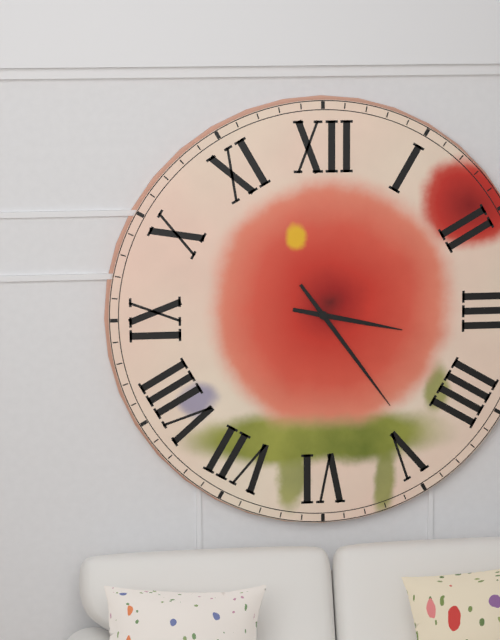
{"hour": 3, "minute": 24}
